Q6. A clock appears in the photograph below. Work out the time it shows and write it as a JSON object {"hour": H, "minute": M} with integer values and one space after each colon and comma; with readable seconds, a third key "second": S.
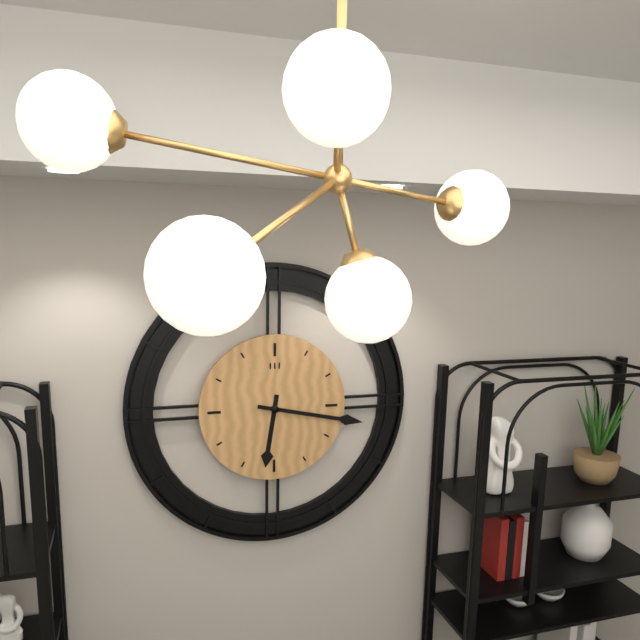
{"hour": 6, "minute": 17}
